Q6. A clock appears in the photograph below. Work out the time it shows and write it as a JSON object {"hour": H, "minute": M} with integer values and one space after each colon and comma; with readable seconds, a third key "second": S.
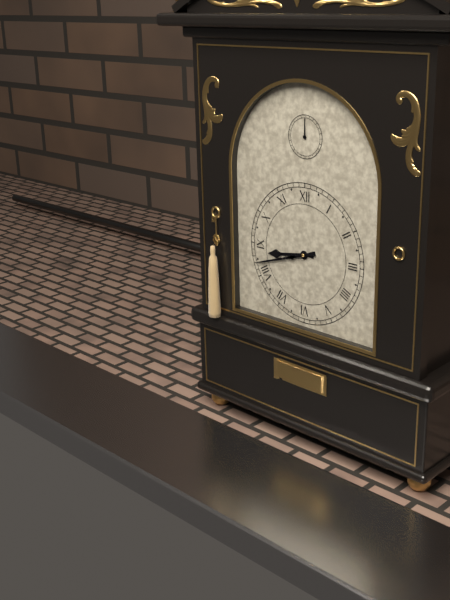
{"hour": 8, "minute": 42}
